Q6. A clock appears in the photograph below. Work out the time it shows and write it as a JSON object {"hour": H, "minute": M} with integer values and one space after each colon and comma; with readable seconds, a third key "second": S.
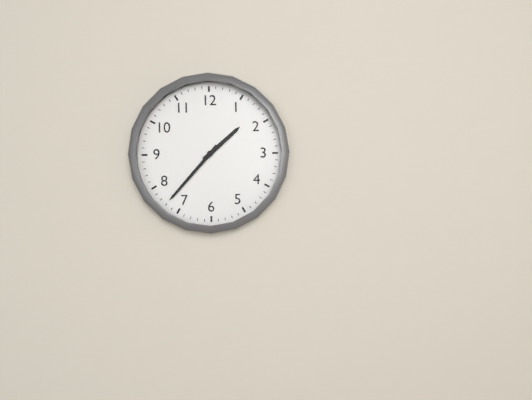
{"hour": 1, "minute": 37}
